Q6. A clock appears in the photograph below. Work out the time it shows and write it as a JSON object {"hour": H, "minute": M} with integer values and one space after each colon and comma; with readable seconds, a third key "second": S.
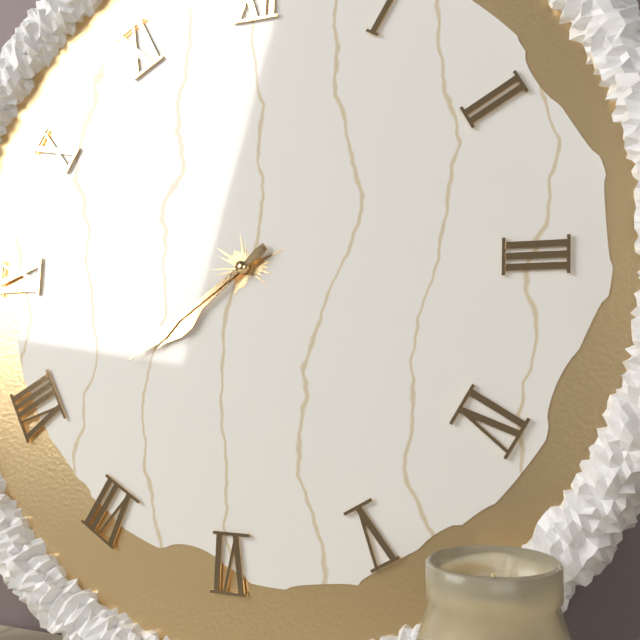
{"hour": 7, "minute": 39}
